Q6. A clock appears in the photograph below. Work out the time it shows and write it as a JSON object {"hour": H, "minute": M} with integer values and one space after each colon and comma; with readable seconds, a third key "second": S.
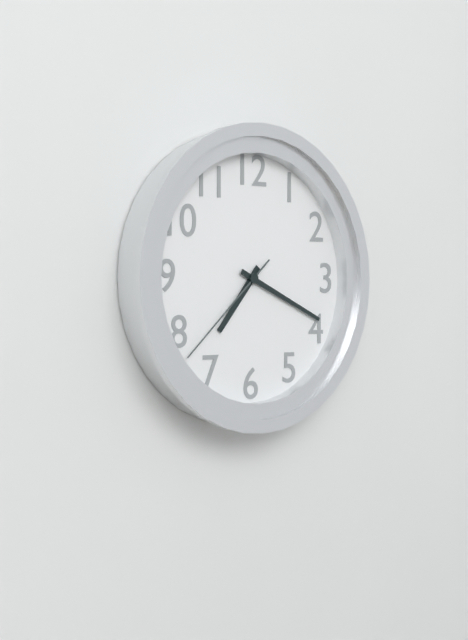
{"hour": 7, "minute": 19, "second": 38}
